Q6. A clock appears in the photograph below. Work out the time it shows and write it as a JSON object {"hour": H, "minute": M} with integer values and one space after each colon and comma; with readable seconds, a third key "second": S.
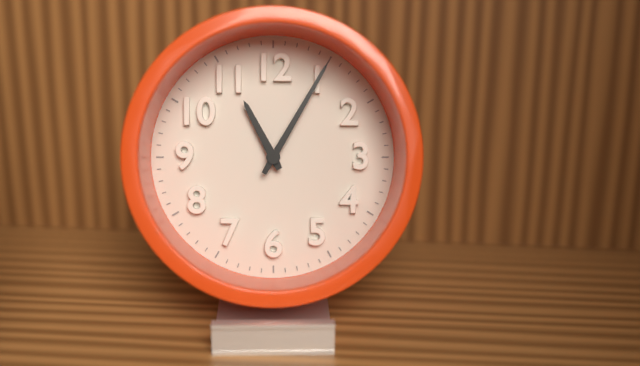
{"hour": 11, "minute": 5}
